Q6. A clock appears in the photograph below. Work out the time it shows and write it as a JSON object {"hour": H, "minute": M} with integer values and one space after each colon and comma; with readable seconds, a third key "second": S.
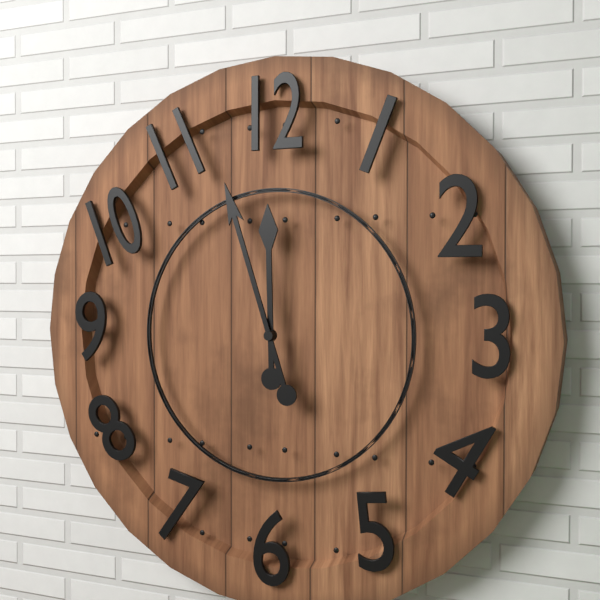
{"hour": 11, "minute": 57}
